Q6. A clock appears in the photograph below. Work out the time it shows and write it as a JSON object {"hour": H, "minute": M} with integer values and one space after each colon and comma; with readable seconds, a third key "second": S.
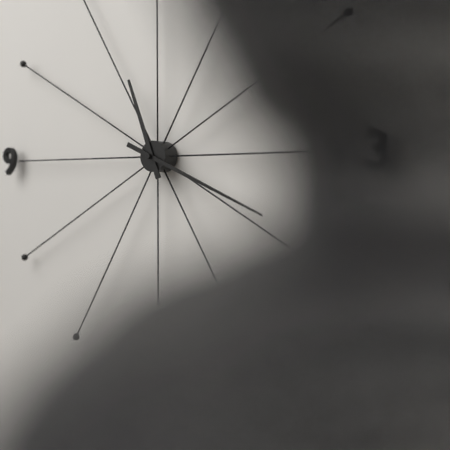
{"hour": 11, "minute": 19}
